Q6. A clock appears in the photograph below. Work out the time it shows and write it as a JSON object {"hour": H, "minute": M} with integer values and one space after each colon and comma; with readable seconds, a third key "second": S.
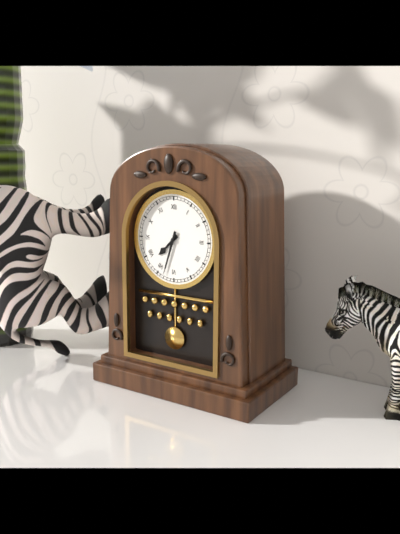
{"hour": 7, "minute": 33}
